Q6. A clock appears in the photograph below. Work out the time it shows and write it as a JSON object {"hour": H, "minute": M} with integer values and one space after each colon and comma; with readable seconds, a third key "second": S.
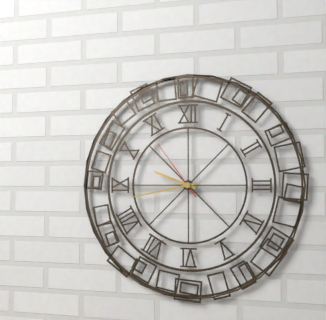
{"hour": 9, "minute": 43, "second": 54}
